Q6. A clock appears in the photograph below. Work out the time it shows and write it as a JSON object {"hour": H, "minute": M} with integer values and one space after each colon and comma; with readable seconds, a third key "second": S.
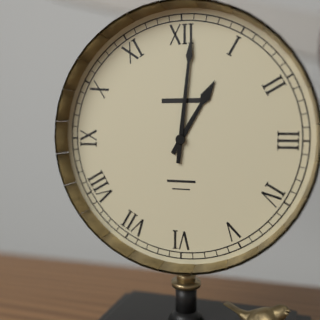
{"hour": 1, "minute": 1}
